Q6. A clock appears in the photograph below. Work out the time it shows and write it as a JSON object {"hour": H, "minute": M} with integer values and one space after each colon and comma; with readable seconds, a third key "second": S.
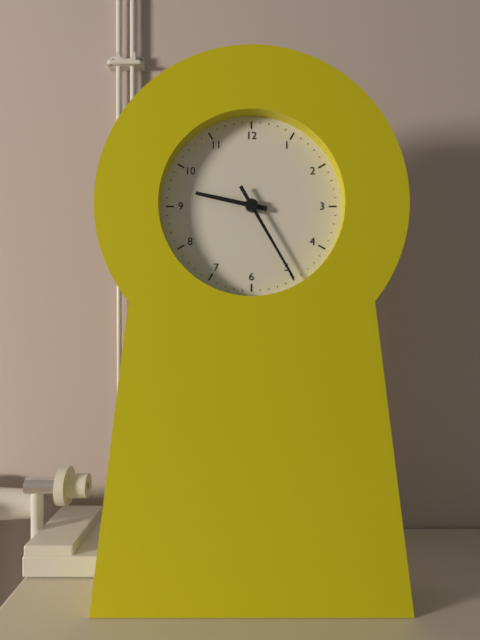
{"hour": 9, "minute": 25}
